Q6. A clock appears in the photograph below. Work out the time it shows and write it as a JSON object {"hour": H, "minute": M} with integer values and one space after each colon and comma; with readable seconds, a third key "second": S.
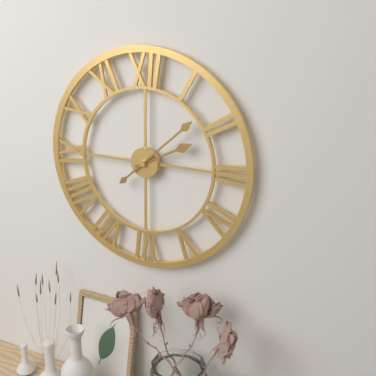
{"hour": 2, "minute": 8}
